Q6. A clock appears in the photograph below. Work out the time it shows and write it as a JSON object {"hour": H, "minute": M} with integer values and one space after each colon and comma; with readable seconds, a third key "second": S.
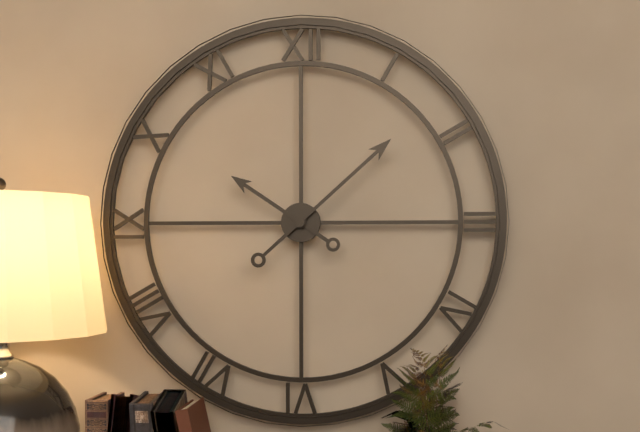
{"hour": 10, "minute": 8}
